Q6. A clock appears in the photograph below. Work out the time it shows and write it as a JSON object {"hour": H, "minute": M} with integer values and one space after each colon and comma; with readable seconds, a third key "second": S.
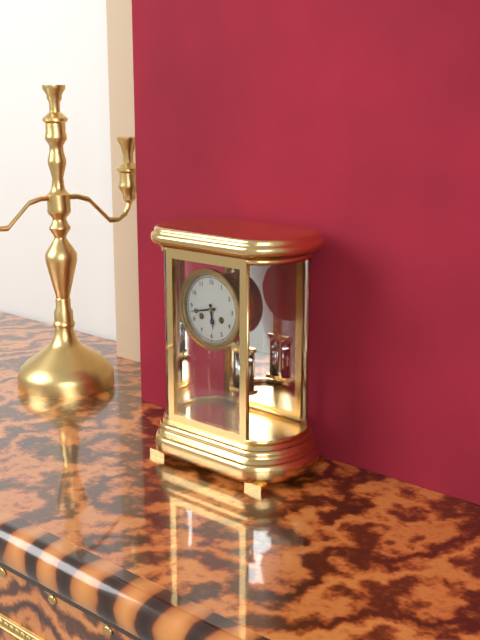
{"hour": 5, "minute": 43}
